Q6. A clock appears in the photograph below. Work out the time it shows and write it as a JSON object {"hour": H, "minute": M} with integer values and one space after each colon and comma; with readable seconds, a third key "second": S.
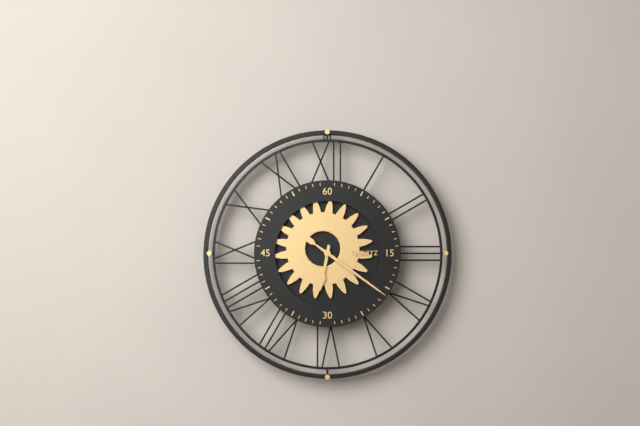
{"hour": 6, "minute": 21}
